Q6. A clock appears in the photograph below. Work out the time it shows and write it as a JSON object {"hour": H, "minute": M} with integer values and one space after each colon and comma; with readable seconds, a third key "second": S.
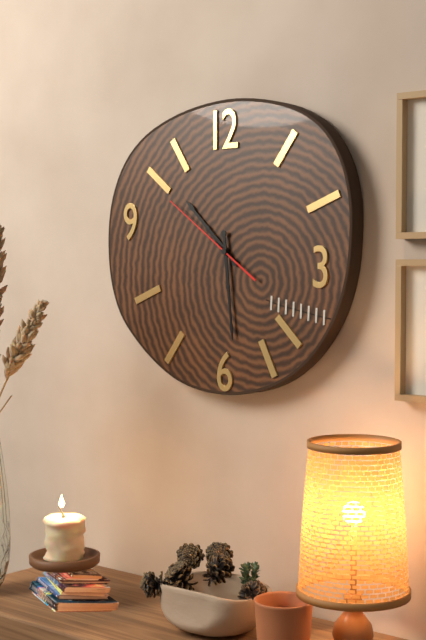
{"hour": 10, "minute": 29, "second": 51}
